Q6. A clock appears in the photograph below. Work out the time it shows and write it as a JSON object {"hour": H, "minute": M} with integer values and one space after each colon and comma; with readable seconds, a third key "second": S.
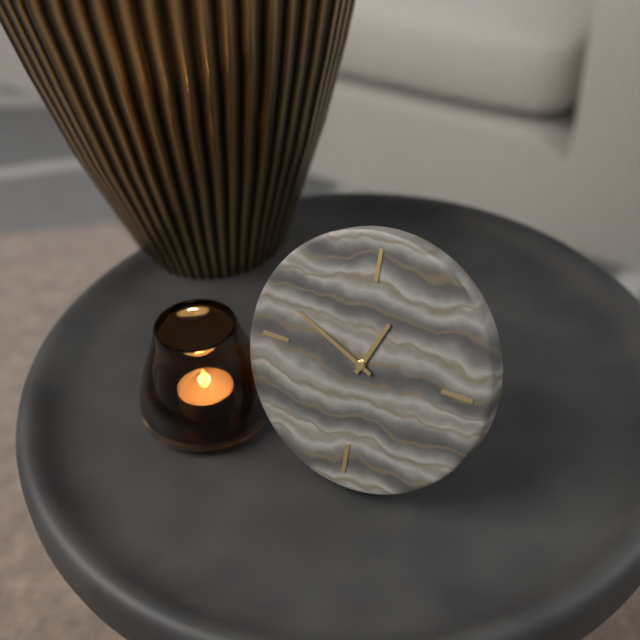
{"hour": 12, "minute": 49}
